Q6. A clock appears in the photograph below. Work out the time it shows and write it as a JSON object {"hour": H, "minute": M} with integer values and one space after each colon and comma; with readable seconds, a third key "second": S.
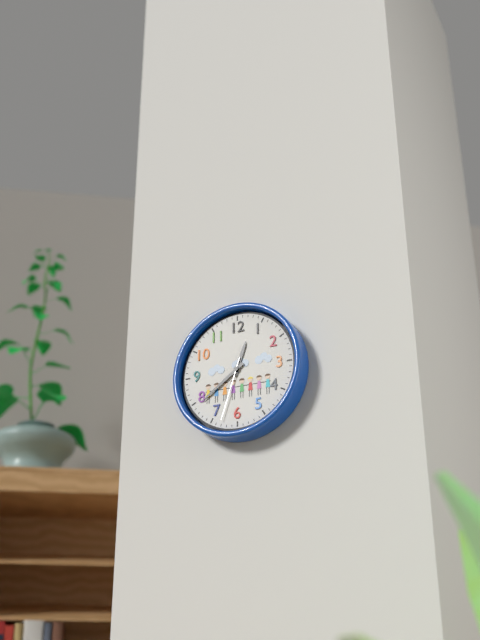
{"hour": 12, "minute": 39, "second": 33}
